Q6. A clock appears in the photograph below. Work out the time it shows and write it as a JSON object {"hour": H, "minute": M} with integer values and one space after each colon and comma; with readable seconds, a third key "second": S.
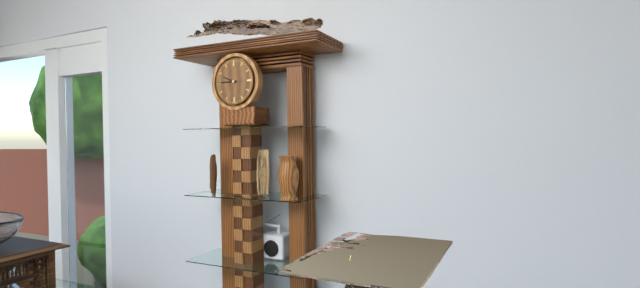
{"hour": 9, "minute": 45}
